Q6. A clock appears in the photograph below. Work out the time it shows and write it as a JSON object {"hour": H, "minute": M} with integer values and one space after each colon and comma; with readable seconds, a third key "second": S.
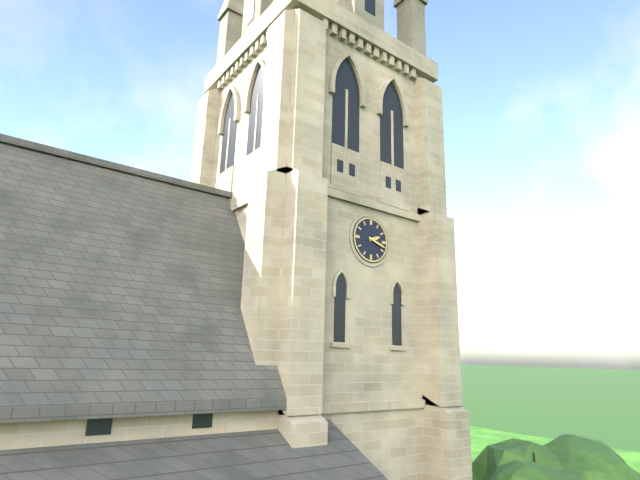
{"hour": 2, "minute": 18}
